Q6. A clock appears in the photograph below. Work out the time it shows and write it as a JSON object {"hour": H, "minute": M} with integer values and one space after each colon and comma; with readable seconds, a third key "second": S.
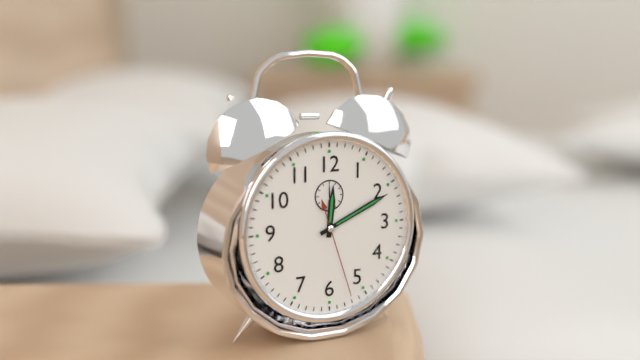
{"hour": 12, "minute": 11, "second": 27}
